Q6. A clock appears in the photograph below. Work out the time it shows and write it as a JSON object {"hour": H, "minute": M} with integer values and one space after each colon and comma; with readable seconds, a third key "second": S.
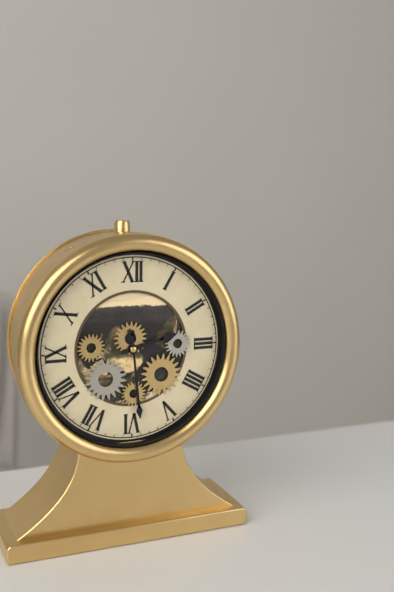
{"hour": 2, "minute": 29}
